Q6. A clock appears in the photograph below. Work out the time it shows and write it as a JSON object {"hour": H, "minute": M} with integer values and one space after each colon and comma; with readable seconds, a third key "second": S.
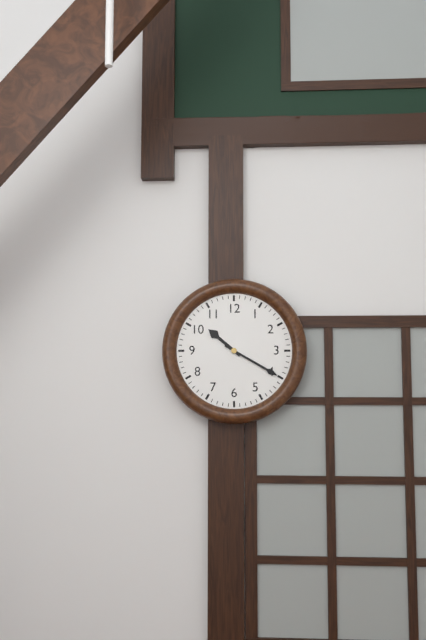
{"hour": 10, "minute": 20}
